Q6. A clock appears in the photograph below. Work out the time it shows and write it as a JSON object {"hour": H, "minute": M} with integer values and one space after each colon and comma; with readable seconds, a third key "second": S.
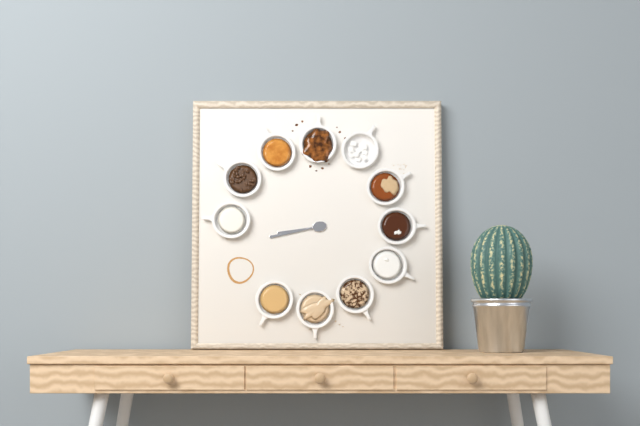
{"hour": 8, "minute": 43}
